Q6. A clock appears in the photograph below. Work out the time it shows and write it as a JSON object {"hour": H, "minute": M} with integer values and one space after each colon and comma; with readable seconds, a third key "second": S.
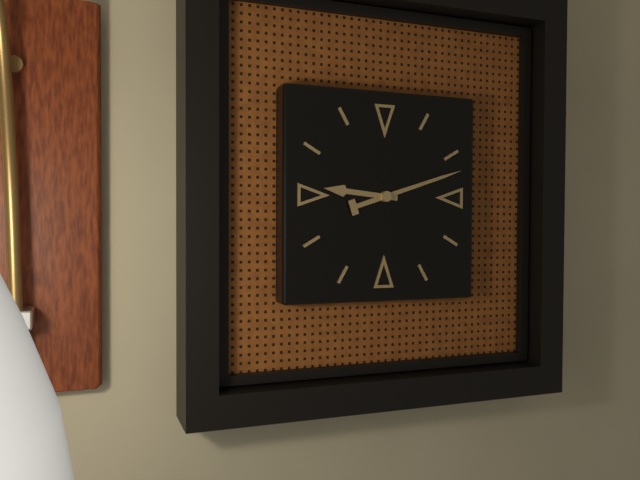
{"hour": 9, "minute": 12}
